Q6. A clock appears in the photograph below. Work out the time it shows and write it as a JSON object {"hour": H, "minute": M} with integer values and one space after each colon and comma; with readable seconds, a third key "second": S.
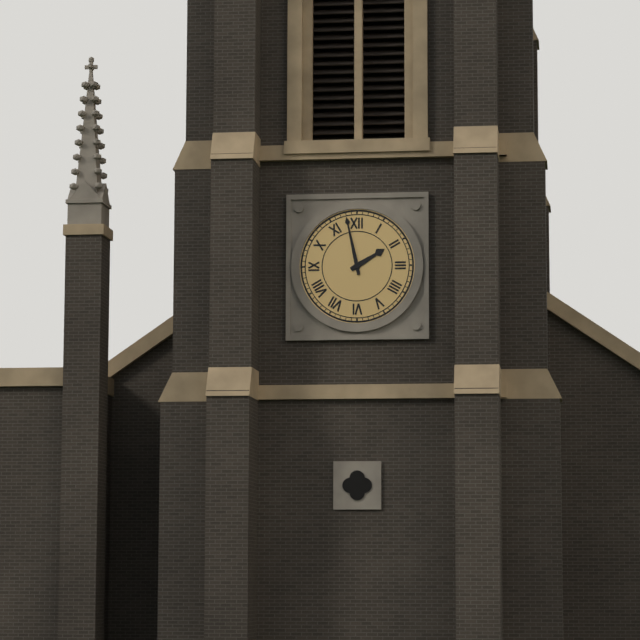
{"hour": 1, "minute": 58}
